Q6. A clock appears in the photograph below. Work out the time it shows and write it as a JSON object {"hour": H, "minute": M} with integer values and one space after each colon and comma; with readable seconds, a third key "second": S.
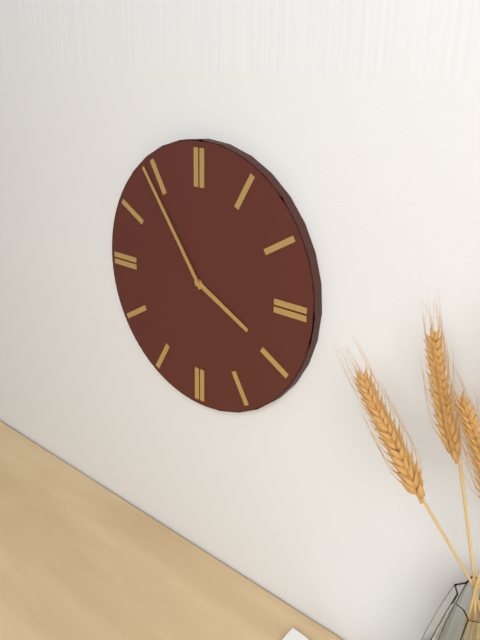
{"hour": 3, "minute": 54}
